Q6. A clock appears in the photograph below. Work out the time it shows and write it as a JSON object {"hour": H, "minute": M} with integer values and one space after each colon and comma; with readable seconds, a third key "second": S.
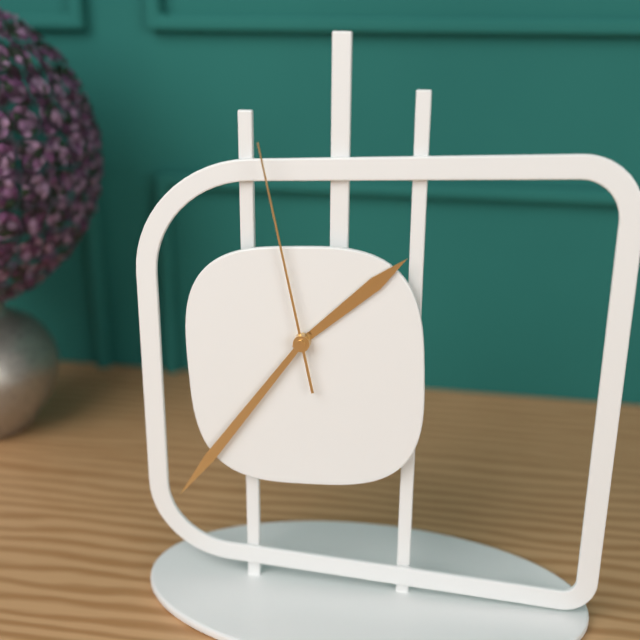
{"hour": 1, "minute": 36, "second": 58}
